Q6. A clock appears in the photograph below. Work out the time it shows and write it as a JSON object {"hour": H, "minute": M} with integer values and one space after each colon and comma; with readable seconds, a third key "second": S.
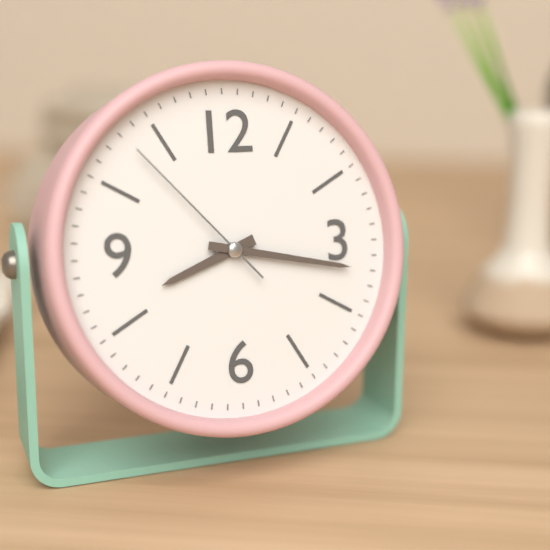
{"hour": 8, "minute": 17, "second": 53}
